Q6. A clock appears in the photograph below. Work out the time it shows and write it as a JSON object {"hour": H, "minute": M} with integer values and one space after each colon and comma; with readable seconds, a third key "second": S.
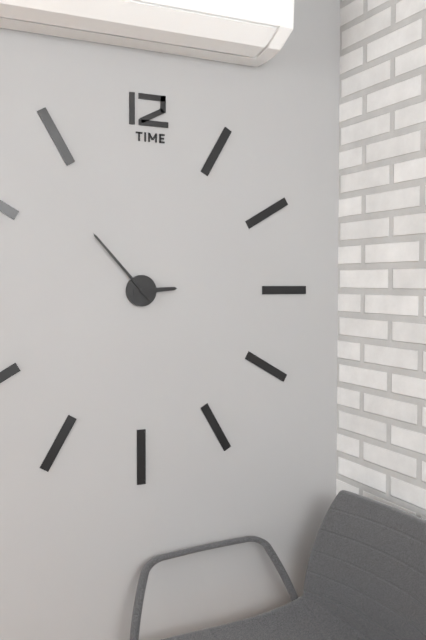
{"hour": 2, "minute": 53}
